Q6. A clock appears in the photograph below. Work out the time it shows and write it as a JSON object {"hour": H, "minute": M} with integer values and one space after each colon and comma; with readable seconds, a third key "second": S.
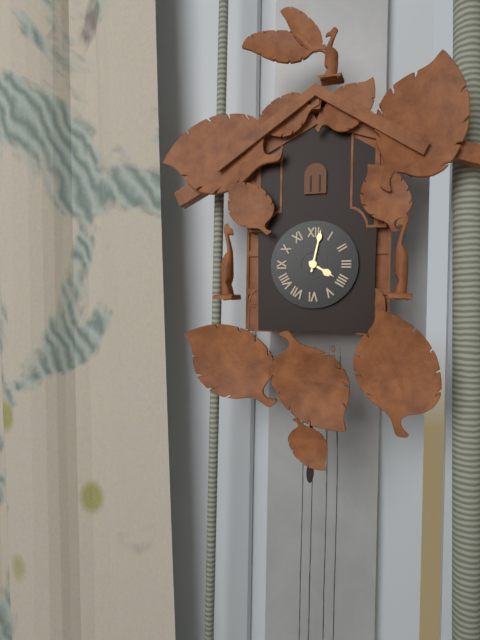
{"hour": 4, "minute": 2}
